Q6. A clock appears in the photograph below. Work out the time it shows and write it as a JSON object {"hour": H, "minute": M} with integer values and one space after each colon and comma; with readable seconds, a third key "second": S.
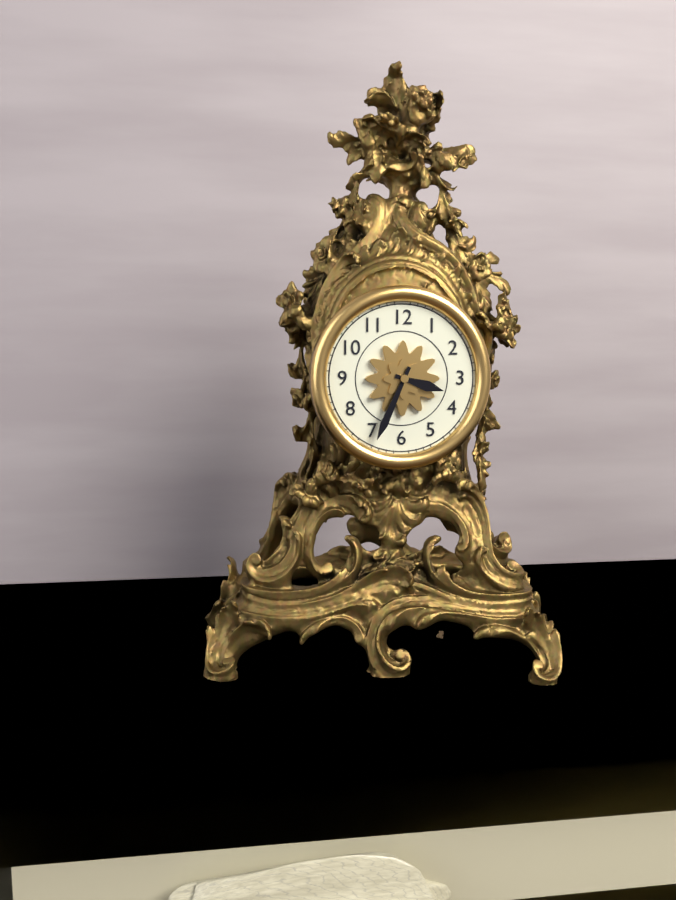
{"hour": 3, "minute": 34}
